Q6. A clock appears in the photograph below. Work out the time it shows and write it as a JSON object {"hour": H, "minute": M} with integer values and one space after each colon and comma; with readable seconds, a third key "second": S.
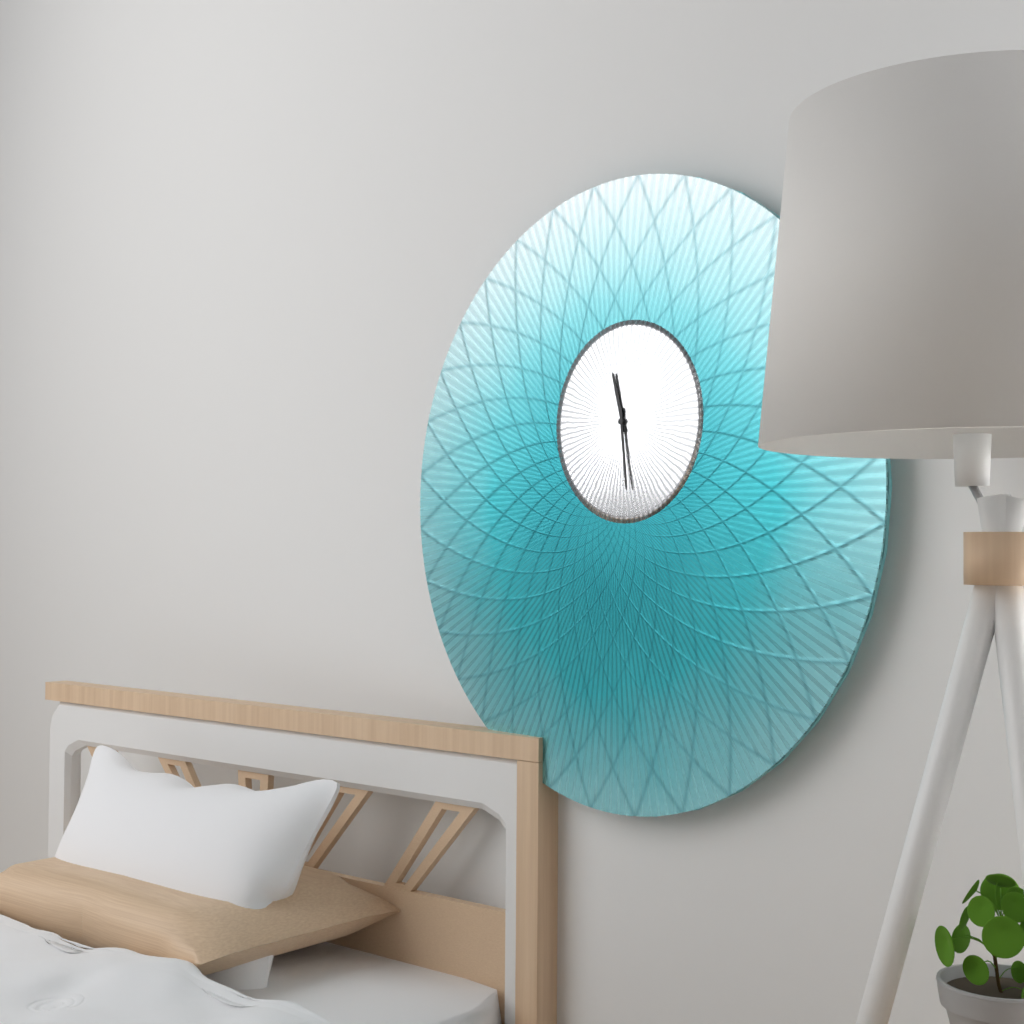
{"hour": 11, "minute": 29}
